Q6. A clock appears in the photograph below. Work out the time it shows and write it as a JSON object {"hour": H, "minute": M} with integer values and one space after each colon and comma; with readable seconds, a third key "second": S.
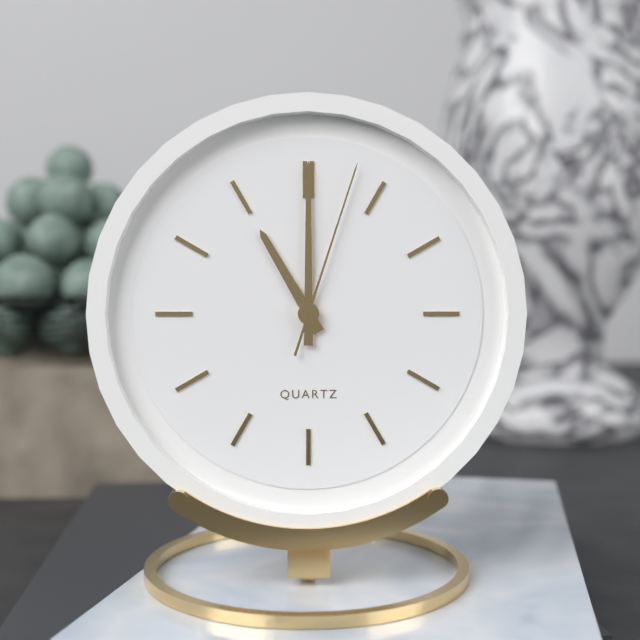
{"hour": 11, "minute": 0, "second": 3}
